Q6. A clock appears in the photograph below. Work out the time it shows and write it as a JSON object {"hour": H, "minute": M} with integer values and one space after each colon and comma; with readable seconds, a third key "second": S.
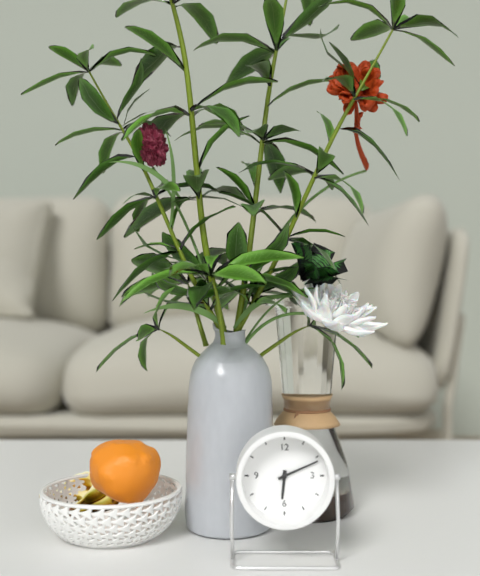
{"hour": 6, "minute": 11}
